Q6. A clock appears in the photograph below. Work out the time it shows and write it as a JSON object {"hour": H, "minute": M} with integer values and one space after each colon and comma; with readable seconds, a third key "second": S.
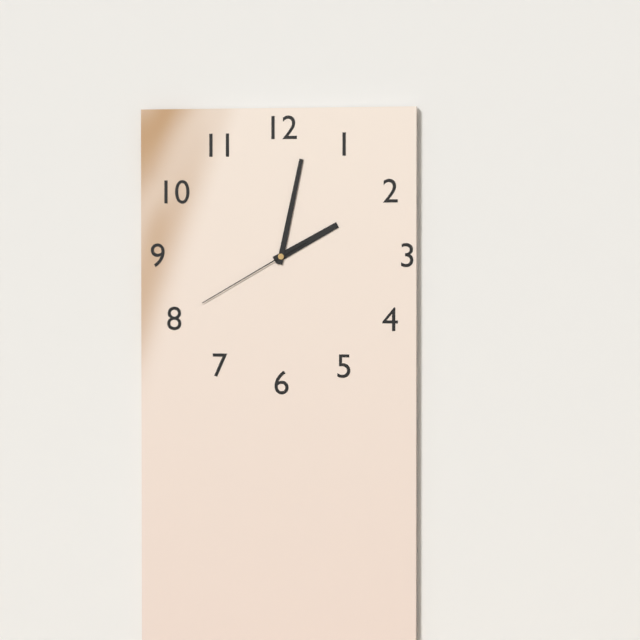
{"hour": 2, "minute": 2, "second": 40}
